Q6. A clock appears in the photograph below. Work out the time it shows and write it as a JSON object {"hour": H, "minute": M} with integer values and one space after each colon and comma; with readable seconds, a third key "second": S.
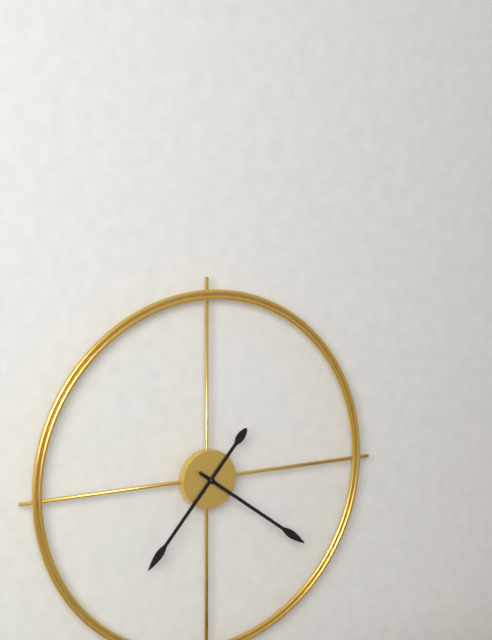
{"hour": 7, "minute": 21}
